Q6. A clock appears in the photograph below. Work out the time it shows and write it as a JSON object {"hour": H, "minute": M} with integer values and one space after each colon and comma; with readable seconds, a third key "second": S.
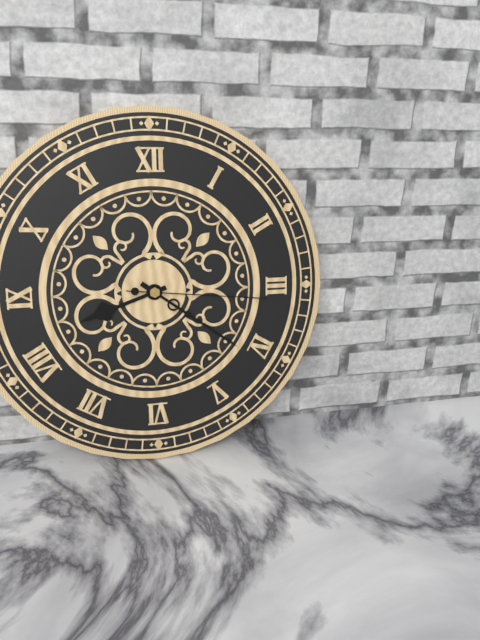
{"hour": 8, "minute": 21, "second": 16}
